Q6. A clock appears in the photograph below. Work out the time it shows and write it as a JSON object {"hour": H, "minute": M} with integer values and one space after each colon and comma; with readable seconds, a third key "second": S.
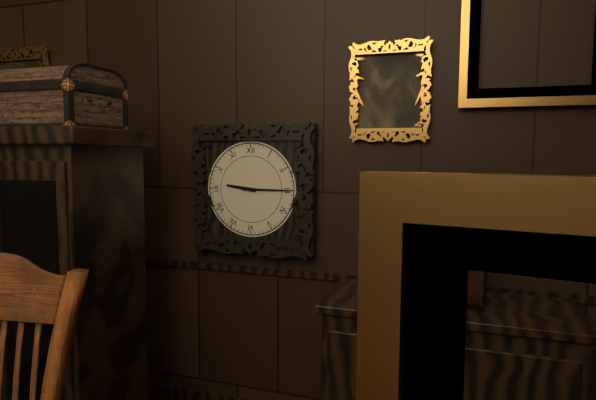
{"hour": 9, "minute": 15}
